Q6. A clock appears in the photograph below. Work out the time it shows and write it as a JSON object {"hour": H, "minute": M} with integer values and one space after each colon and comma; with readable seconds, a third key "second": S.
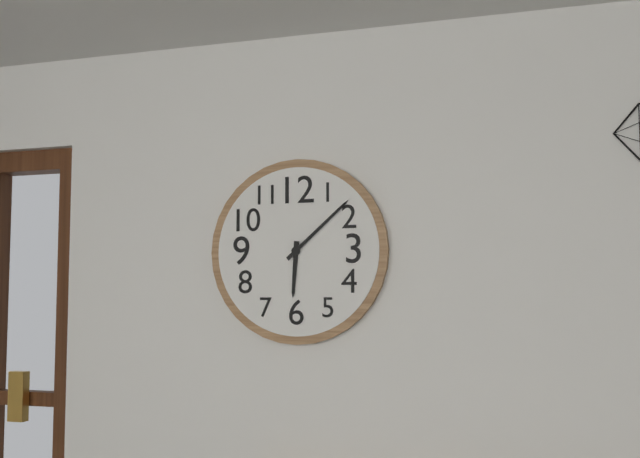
{"hour": 6, "minute": 8}
